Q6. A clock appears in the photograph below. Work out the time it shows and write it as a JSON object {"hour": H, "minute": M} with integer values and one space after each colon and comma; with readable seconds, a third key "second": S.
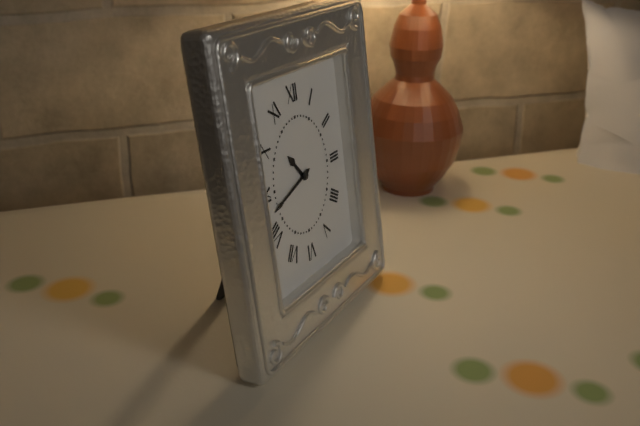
{"hour": 10, "minute": 42}
